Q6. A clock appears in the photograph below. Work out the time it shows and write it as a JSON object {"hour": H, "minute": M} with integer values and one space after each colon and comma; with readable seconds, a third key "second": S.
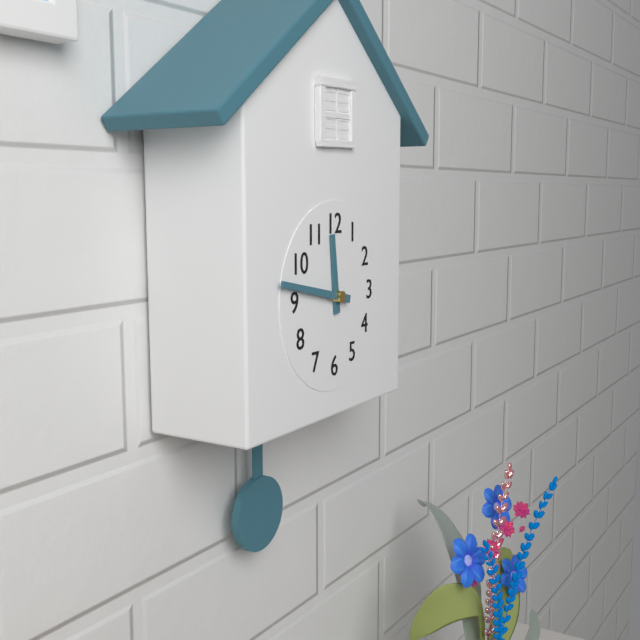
{"hour": 11, "minute": 47}
